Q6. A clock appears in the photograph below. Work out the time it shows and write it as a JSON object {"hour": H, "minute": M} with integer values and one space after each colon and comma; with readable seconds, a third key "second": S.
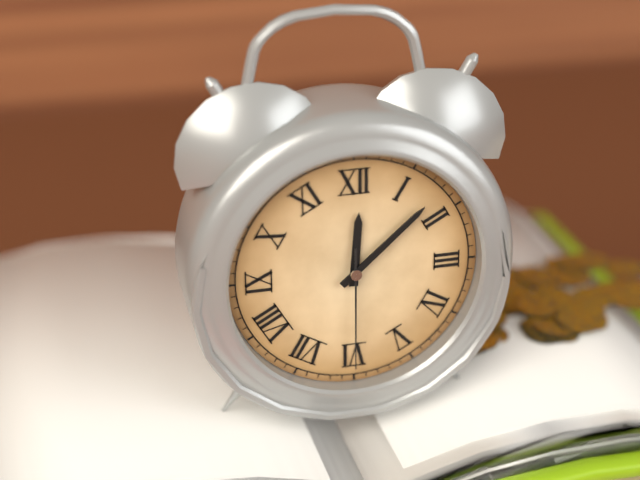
{"hour": 12, "minute": 8, "second": 30}
